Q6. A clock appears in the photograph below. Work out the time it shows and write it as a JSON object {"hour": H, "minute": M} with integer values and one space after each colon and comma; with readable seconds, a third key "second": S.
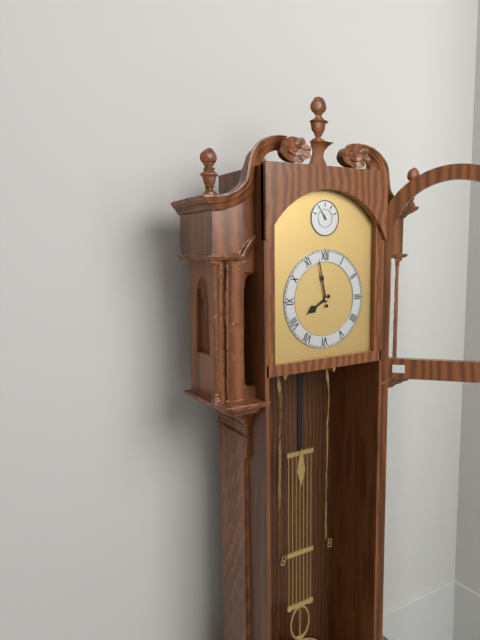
{"hour": 7, "minute": 58}
